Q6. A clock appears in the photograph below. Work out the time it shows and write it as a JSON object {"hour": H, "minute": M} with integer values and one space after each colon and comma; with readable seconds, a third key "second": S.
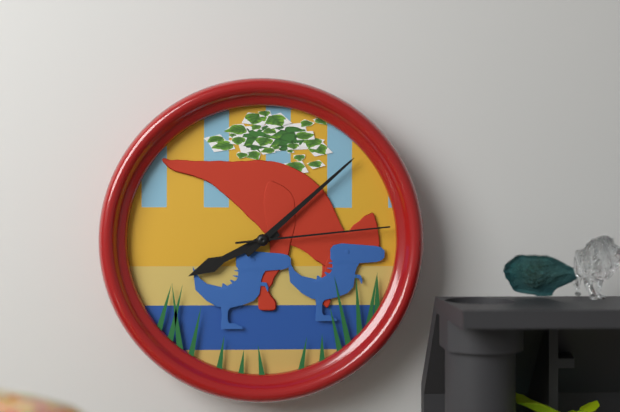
{"hour": 8, "minute": 8, "second": 14}
